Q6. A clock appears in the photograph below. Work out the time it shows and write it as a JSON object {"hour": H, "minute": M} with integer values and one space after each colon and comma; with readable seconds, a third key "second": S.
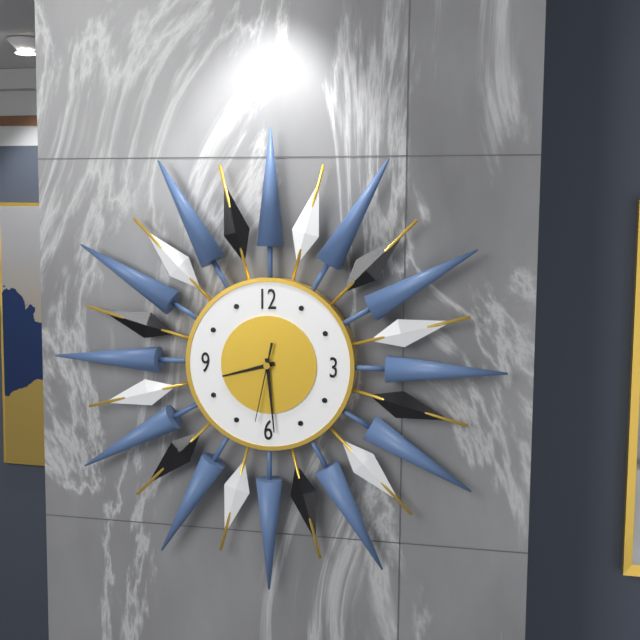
{"hour": 8, "minute": 29, "second": 32}
